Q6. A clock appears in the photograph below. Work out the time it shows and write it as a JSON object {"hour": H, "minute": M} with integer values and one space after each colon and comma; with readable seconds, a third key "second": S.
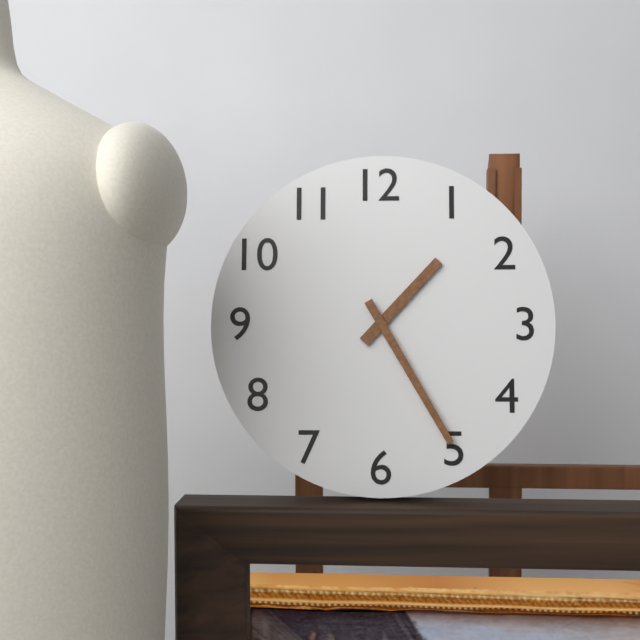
{"hour": 1, "minute": 25}
